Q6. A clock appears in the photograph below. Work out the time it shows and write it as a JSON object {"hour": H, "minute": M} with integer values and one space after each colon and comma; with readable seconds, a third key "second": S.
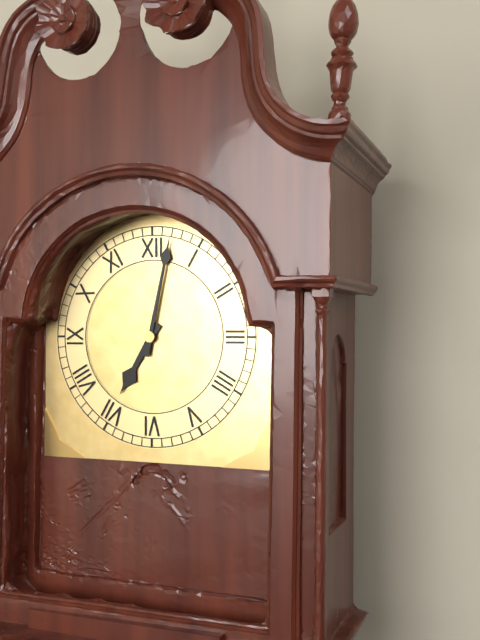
{"hour": 7, "minute": 2}
